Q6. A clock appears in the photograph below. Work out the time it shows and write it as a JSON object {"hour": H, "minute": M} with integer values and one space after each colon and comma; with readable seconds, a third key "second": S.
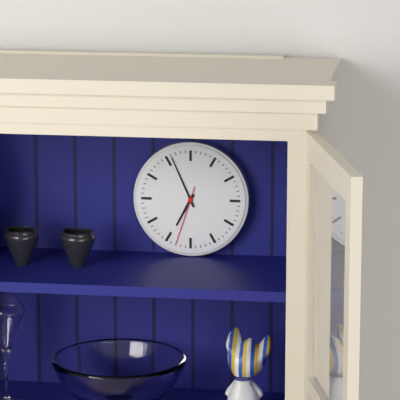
{"hour": 6, "minute": 56, "second": 33}
